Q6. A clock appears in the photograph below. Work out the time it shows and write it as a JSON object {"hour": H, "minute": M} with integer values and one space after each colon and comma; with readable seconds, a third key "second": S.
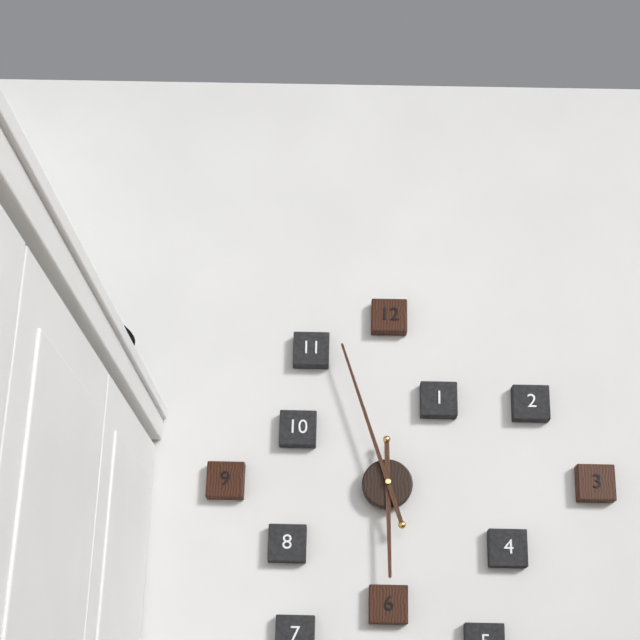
{"hour": 5, "minute": 57}
